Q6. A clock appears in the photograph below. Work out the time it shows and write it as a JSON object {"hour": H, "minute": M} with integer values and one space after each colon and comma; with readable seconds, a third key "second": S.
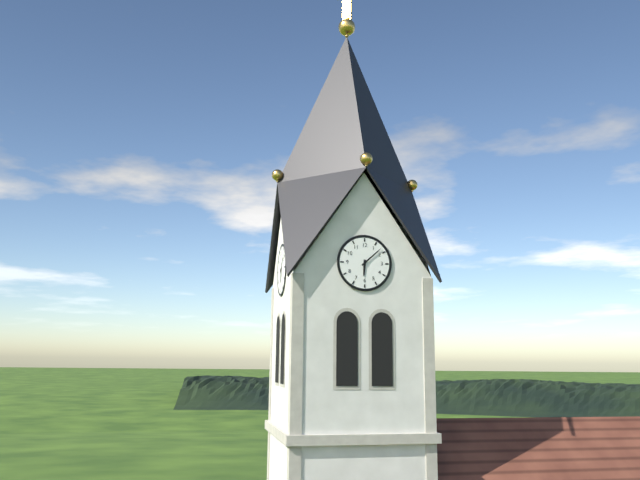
{"hour": 6, "minute": 8}
